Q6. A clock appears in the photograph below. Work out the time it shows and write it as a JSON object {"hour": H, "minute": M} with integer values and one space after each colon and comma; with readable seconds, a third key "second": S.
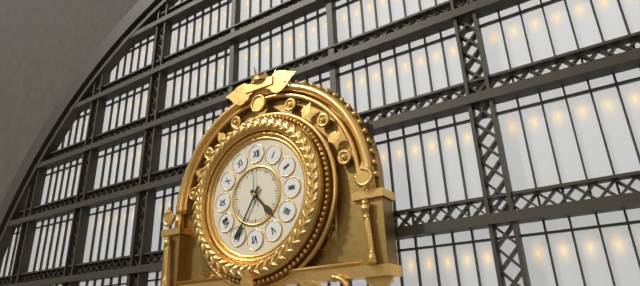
{"hour": 4, "minute": 35}
